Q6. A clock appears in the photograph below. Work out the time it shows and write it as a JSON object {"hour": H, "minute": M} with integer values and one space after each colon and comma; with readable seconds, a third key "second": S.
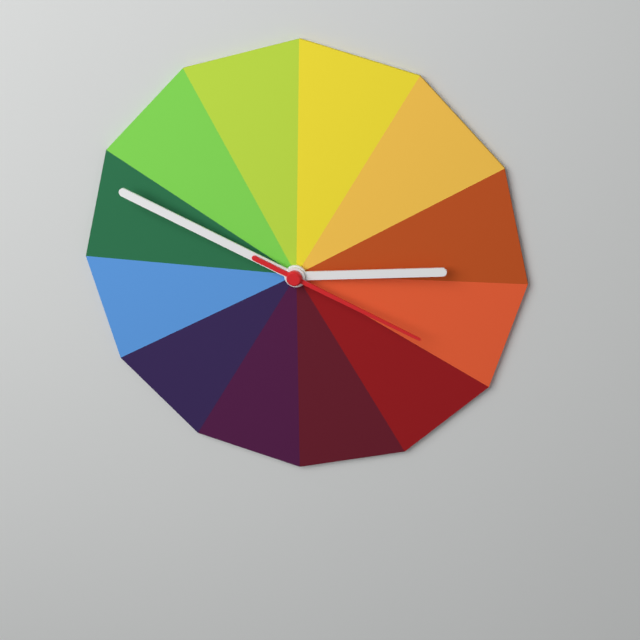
{"hour": 2, "minute": 49, "second": 19}
